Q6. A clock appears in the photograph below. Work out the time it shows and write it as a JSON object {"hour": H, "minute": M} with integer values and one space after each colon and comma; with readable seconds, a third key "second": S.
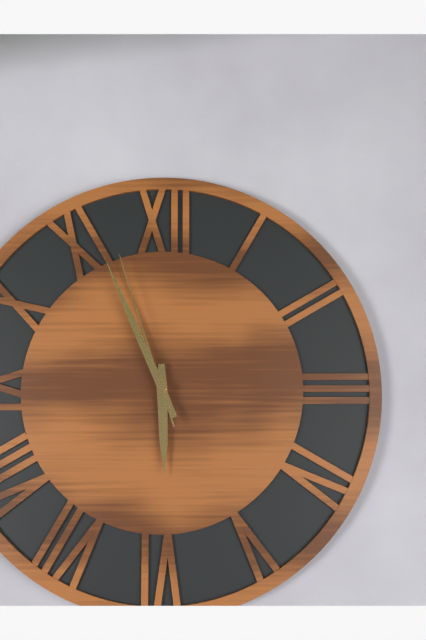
{"hour": 5, "minute": 56, "second": 57}
